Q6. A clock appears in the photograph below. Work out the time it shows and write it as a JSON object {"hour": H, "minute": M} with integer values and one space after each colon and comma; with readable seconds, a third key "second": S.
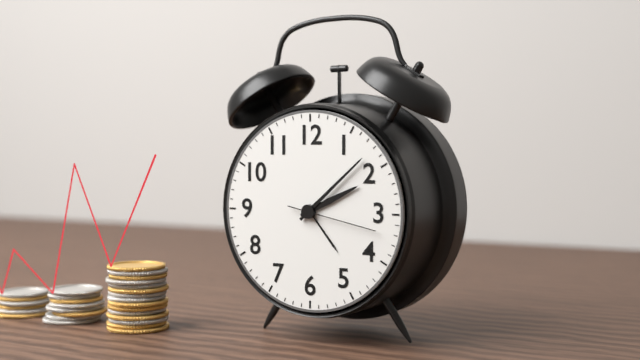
{"hour": 2, "minute": 8, "second": 17}
